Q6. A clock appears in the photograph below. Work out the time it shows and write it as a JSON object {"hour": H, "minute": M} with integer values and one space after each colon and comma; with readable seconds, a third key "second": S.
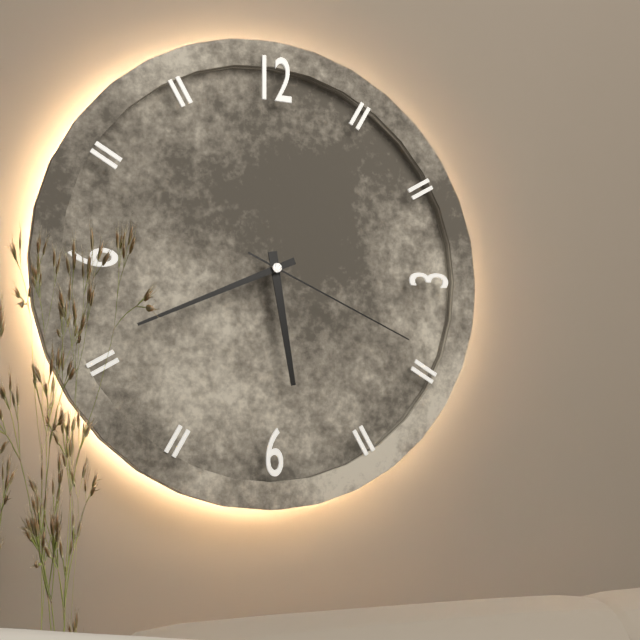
{"hour": 5, "minute": 41, "second": 19}
